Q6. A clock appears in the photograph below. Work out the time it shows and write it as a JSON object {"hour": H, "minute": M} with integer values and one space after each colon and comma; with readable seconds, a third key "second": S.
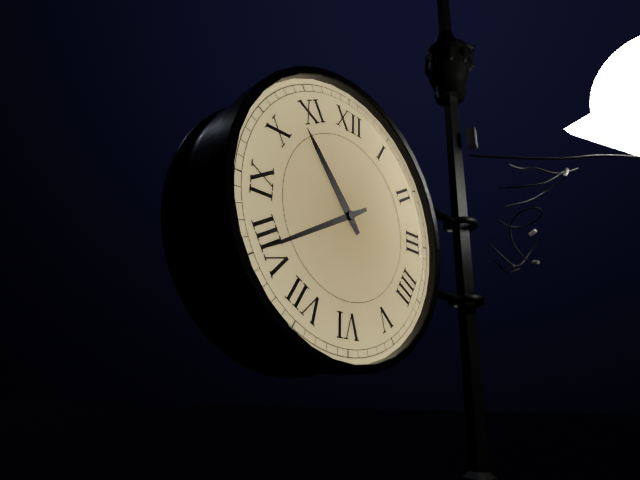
{"hour": 10, "minute": 40}
